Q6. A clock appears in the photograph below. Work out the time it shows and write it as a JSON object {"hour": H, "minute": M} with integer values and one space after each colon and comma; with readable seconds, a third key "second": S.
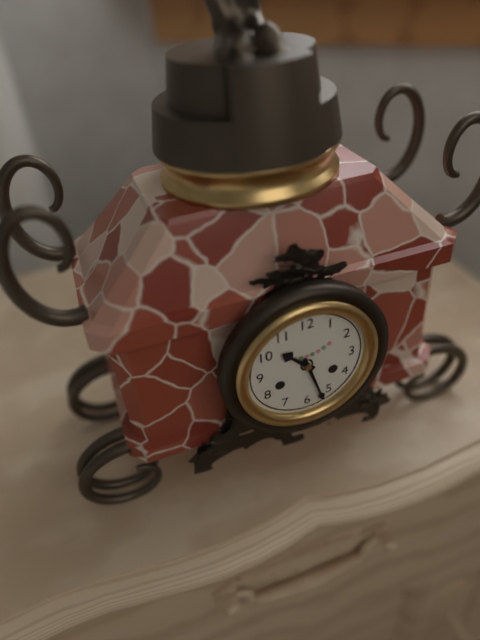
{"hour": 10, "minute": 27}
